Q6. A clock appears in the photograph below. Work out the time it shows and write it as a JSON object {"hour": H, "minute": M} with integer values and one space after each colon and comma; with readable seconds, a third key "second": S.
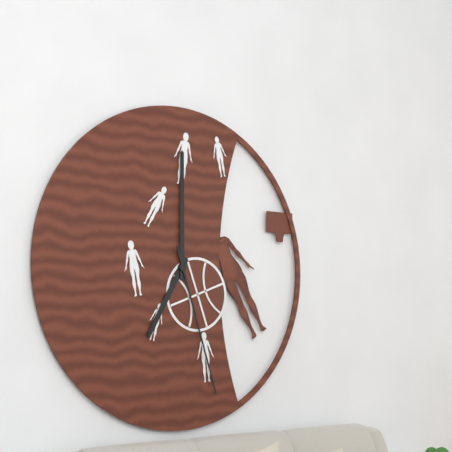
{"hour": 7, "minute": 0, "second": 27}
